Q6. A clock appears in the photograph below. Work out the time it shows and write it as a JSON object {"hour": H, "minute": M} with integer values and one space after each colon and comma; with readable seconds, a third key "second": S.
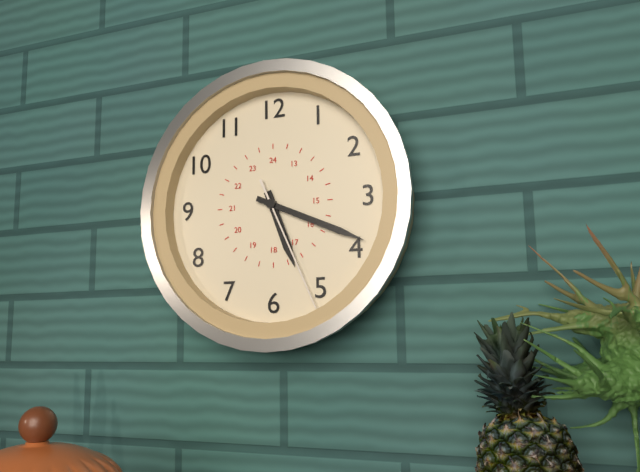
{"hour": 5, "minute": 19, "second": 26}
